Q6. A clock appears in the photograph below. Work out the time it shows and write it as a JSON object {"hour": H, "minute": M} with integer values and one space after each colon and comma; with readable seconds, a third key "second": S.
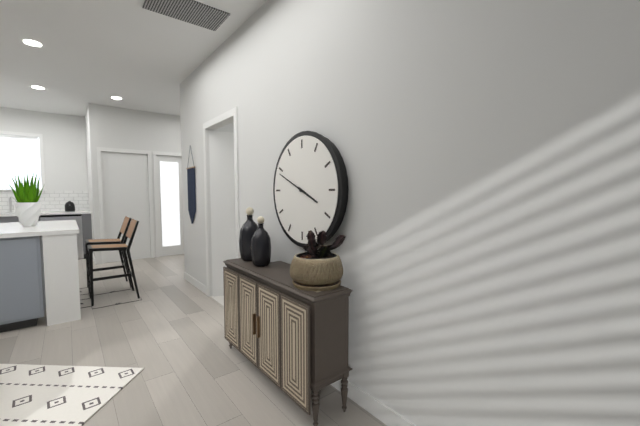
{"hour": 3, "minute": 49}
